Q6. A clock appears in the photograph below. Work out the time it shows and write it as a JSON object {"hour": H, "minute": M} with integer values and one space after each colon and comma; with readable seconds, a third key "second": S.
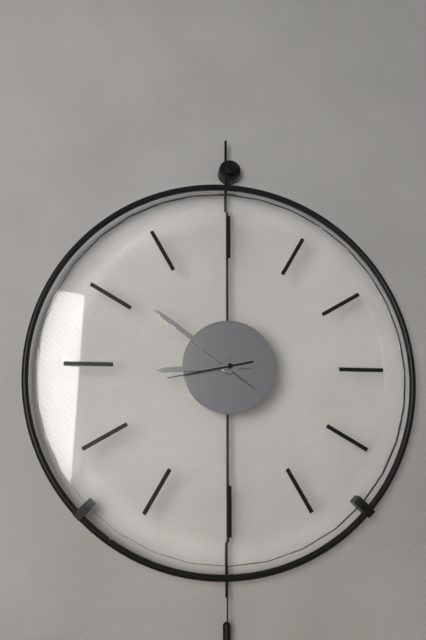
{"hour": 8, "minute": 51, "second": 43}
